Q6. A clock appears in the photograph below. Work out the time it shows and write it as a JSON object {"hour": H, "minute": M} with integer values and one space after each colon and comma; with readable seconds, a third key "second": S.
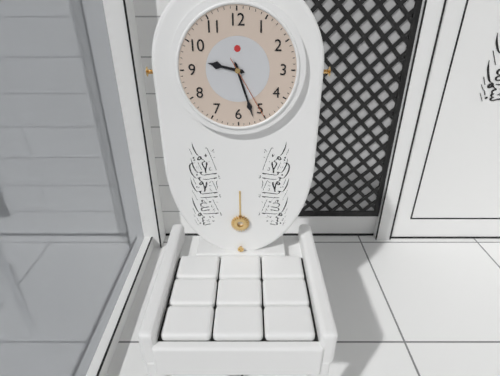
{"hour": 9, "minute": 27, "second": 25}
